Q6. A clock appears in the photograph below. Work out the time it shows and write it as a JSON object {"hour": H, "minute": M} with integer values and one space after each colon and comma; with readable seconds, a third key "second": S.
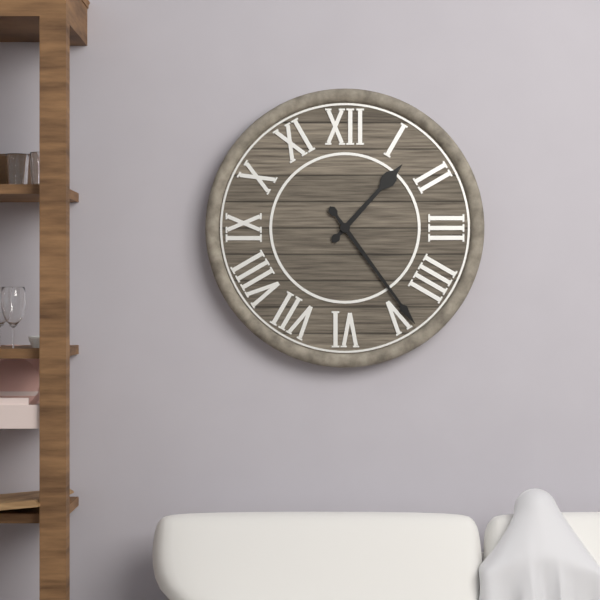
{"hour": 1, "minute": 24}
